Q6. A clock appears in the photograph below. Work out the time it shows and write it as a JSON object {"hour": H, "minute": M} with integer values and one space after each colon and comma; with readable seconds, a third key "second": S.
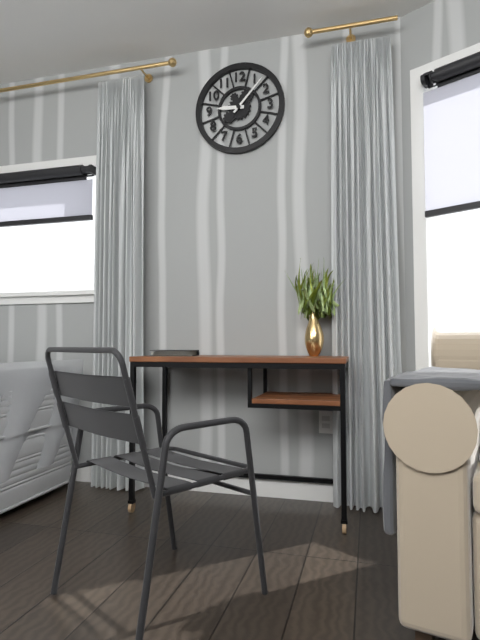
{"hour": 9, "minute": 7}
